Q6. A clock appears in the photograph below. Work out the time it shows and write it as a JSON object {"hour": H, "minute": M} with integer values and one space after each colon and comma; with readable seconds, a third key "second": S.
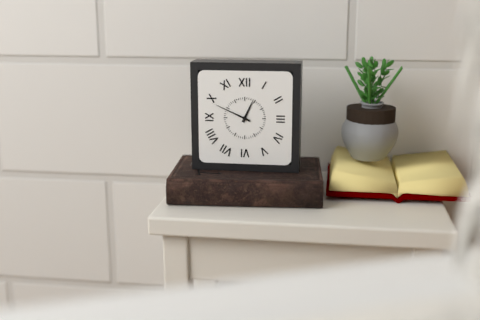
{"hour": 12, "minute": 49}
